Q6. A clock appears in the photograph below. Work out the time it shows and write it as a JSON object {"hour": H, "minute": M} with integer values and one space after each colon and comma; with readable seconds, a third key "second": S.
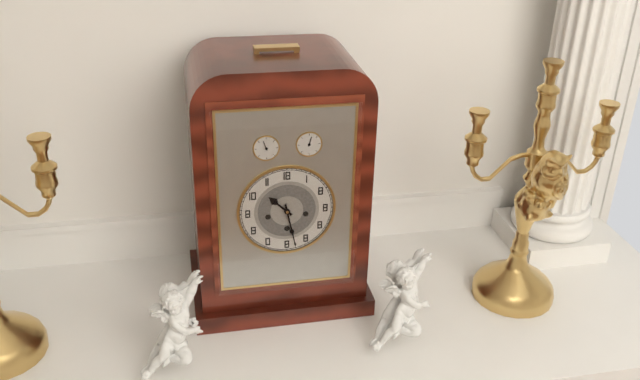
{"hour": 10, "minute": 28}
